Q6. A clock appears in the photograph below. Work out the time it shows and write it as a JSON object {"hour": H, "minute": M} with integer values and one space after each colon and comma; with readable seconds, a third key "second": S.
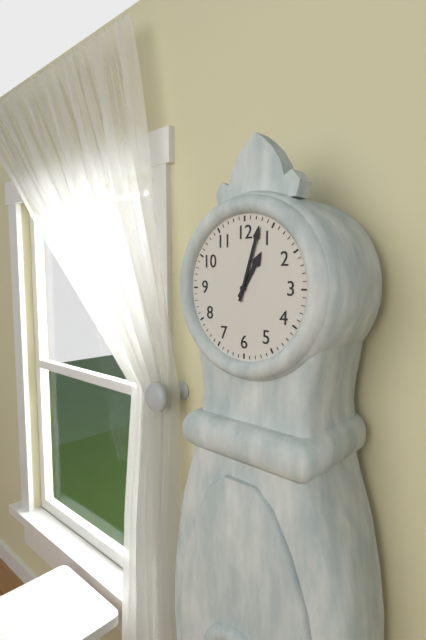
{"hour": 1, "minute": 3}
